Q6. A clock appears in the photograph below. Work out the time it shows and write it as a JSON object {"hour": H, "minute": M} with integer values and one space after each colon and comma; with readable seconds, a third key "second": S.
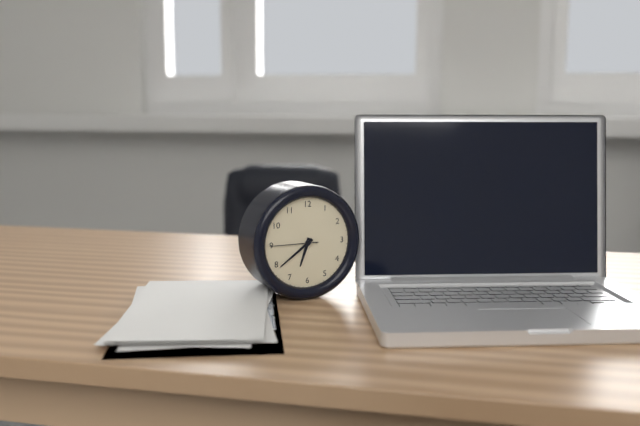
{"hour": 6, "minute": 39}
